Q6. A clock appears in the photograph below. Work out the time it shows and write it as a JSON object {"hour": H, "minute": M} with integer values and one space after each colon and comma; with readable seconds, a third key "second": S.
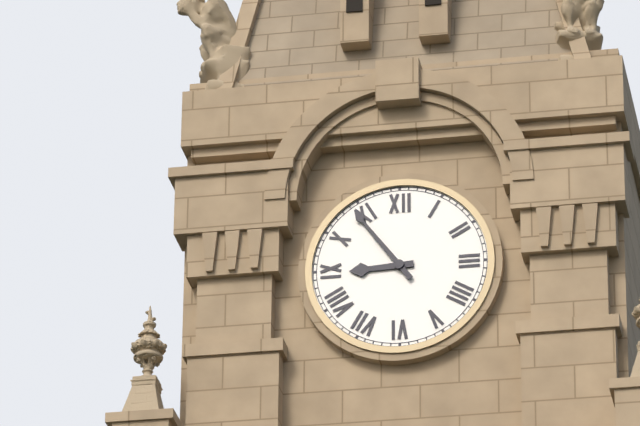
{"hour": 8, "minute": 54}
